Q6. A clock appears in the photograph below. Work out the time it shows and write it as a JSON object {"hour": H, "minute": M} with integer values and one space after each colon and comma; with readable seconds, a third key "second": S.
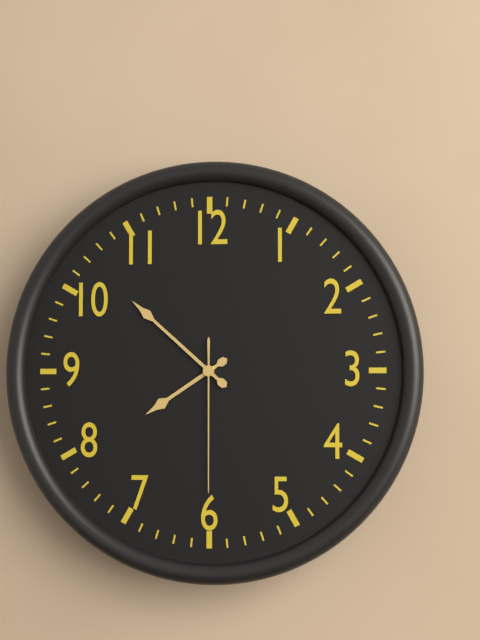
{"hour": 7, "minute": 52, "second": 30}
